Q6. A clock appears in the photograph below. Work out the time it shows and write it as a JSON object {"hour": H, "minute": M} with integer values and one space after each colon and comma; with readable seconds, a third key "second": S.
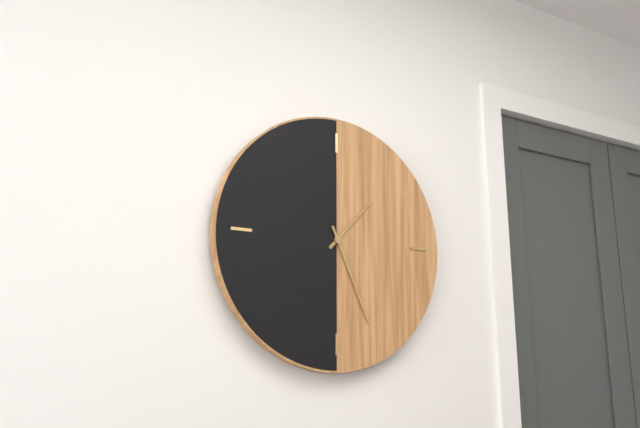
{"hour": 1, "minute": 26}
